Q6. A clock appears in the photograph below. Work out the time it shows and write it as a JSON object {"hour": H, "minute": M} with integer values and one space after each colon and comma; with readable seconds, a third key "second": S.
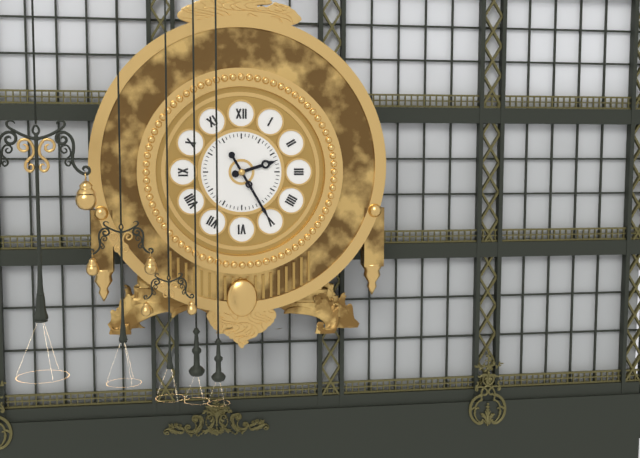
{"hour": 2, "minute": 25}
